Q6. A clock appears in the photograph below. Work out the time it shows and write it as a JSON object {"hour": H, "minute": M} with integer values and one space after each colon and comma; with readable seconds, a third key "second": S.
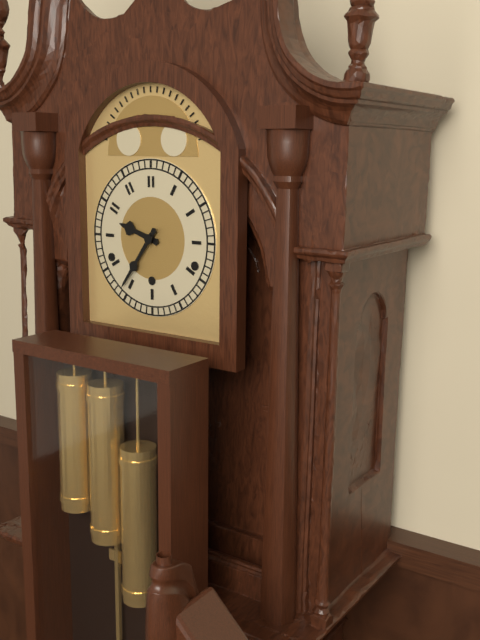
{"hour": 9, "minute": 36}
